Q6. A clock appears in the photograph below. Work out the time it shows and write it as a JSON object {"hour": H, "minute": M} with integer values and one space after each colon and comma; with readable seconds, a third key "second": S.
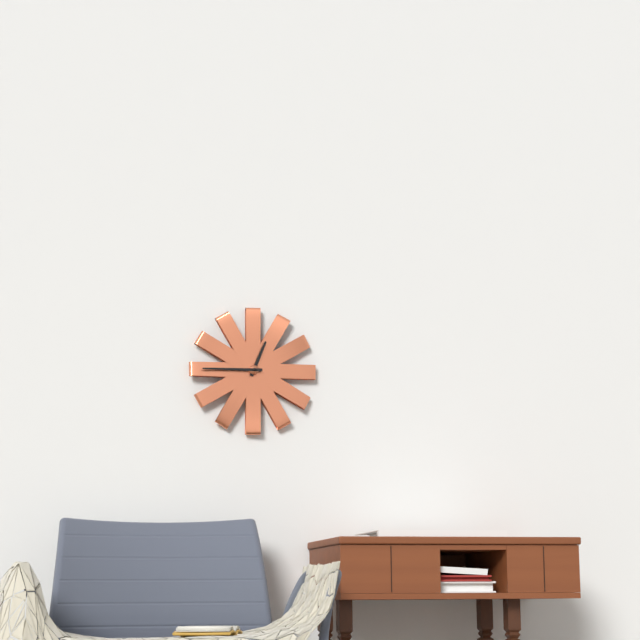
{"hour": 12, "minute": 45}
